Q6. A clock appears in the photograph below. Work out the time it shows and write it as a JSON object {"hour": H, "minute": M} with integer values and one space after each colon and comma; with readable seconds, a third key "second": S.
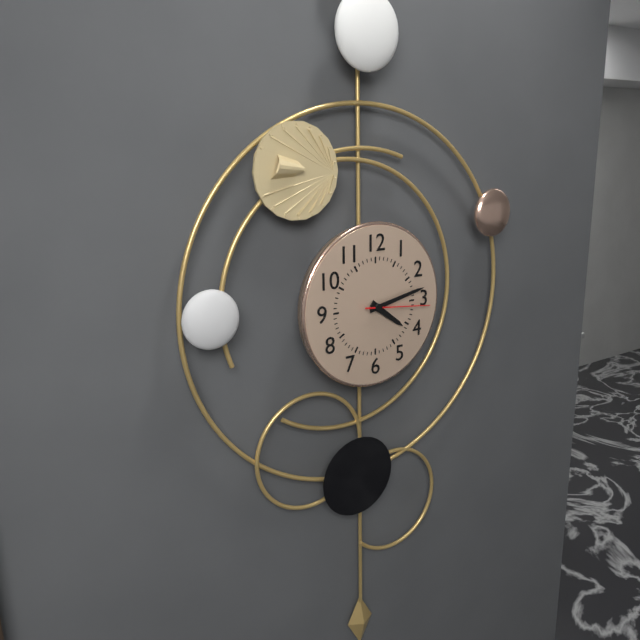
{"hour": 4, "minute": 13, "second": 16}
